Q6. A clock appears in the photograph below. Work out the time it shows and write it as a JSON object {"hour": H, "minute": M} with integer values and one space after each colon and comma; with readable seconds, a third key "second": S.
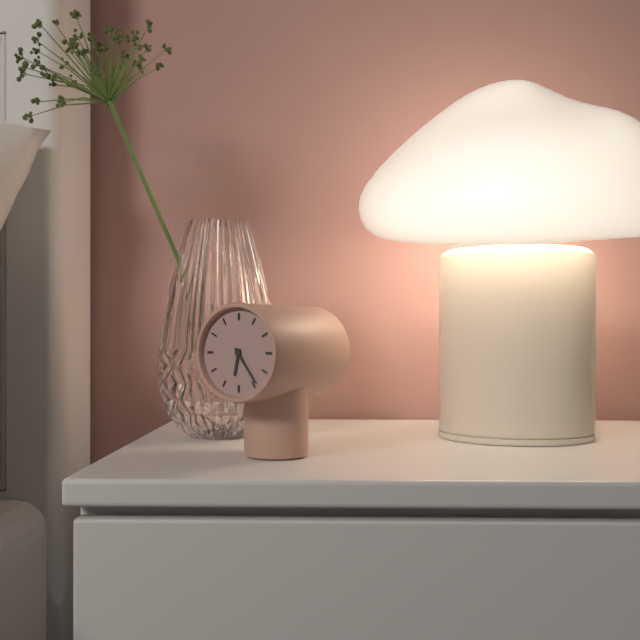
{"hour": 6, "minute": 24}
